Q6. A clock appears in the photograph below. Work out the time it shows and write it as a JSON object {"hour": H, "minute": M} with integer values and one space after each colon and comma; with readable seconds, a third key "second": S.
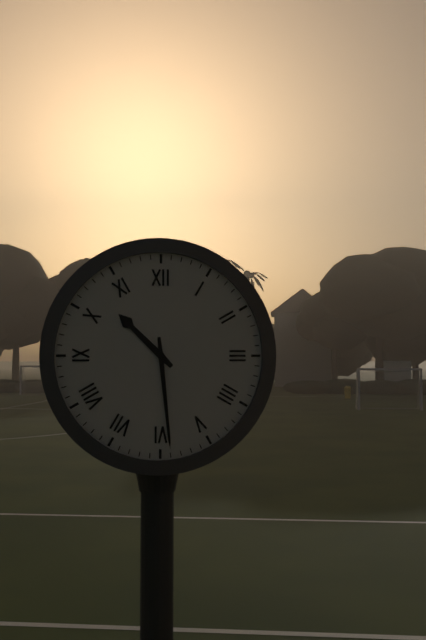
{"hour": 10, "minute": 29}
